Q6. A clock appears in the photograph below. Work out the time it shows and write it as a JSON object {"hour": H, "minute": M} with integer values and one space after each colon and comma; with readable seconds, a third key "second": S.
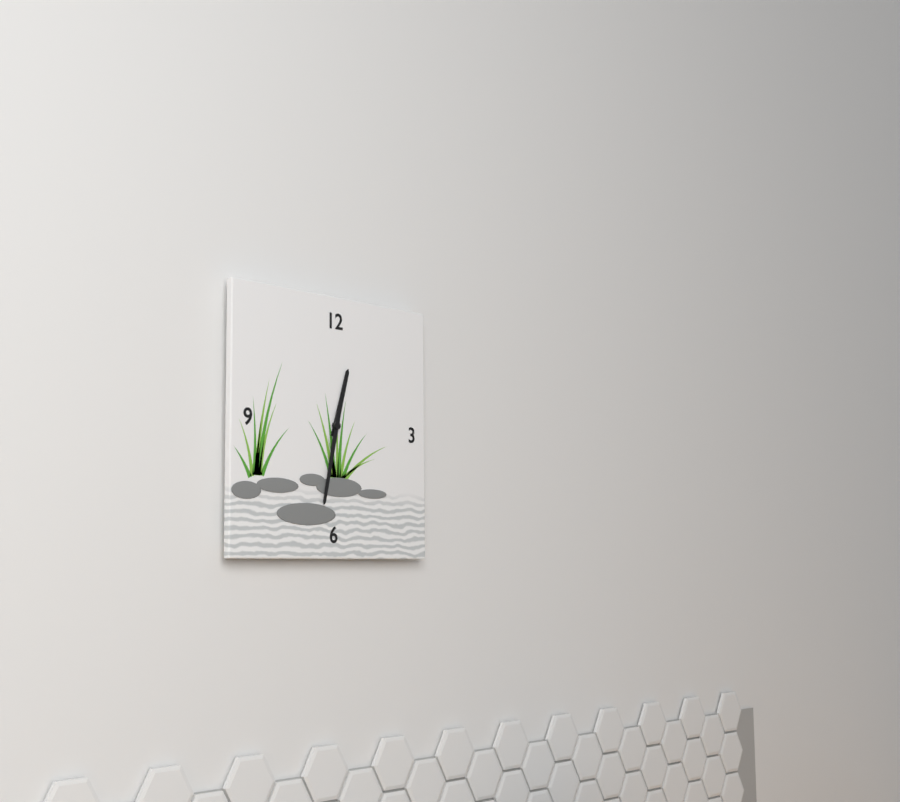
{"hour": 12, "minute": 32}
